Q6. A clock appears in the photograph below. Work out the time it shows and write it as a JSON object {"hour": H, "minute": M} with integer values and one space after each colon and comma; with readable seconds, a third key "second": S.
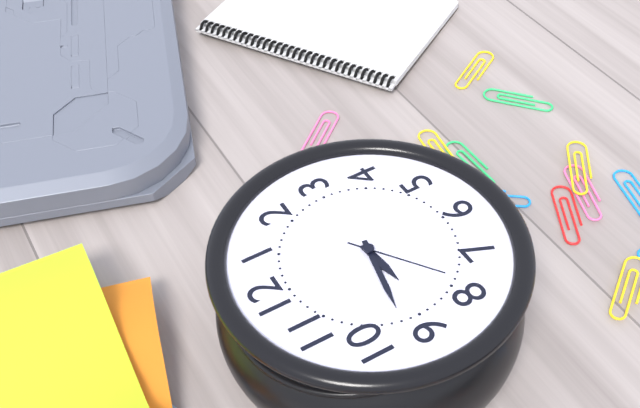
{"hour": 8, "minute": 47, "second": 39}
